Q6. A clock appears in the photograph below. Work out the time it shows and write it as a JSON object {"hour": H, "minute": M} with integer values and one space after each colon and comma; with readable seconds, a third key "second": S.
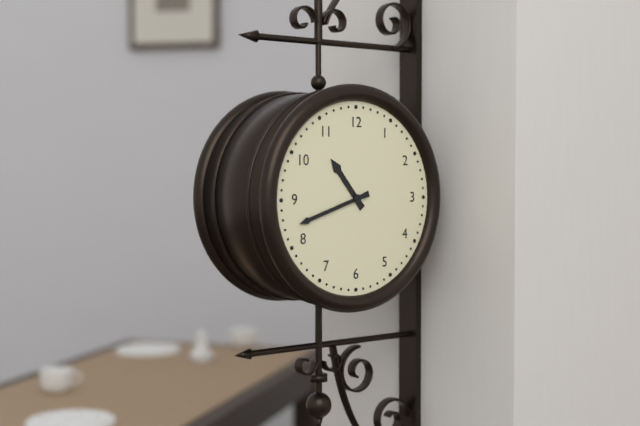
{"hour": 10, "minute": 42}
